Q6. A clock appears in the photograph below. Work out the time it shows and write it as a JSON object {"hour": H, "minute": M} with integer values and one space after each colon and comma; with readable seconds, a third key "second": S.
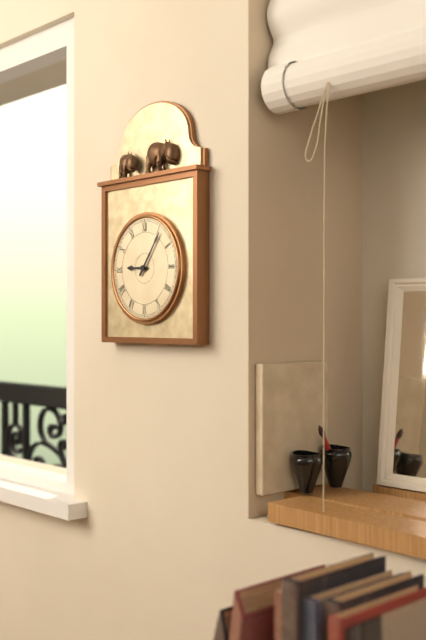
{"hour": 9, "minute": 6}
